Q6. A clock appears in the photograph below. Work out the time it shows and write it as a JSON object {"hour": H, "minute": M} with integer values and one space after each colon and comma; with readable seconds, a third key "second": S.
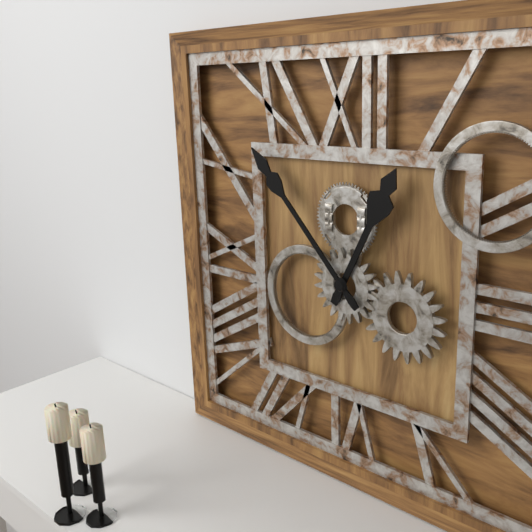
{"hour": 12, "minute": 53}
